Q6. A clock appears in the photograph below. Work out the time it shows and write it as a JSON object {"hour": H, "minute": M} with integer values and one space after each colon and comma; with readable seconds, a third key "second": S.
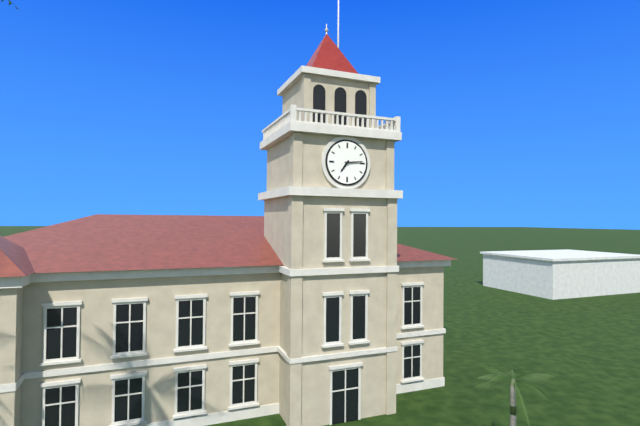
{"hour": 7, "minute": 14}
